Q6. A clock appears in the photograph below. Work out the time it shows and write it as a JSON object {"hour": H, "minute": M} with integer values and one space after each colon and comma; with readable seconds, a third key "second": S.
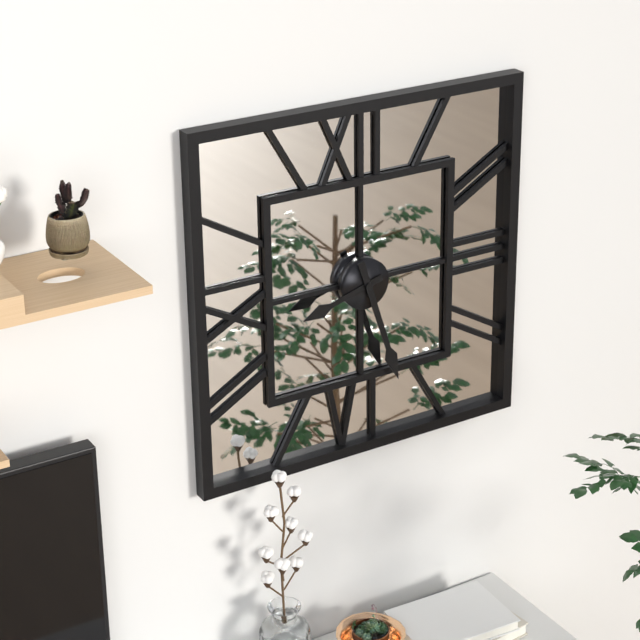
{"hour": 8, "minute": 27}
